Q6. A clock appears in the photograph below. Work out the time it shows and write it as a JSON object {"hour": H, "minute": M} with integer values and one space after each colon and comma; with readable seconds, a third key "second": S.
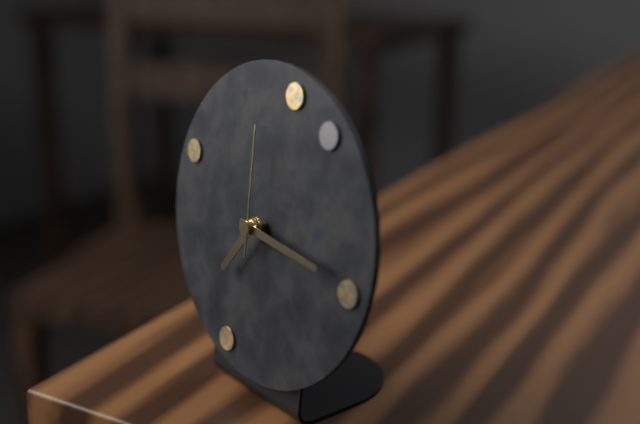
{"hour": 7, "minute": 16, "second": 0}
